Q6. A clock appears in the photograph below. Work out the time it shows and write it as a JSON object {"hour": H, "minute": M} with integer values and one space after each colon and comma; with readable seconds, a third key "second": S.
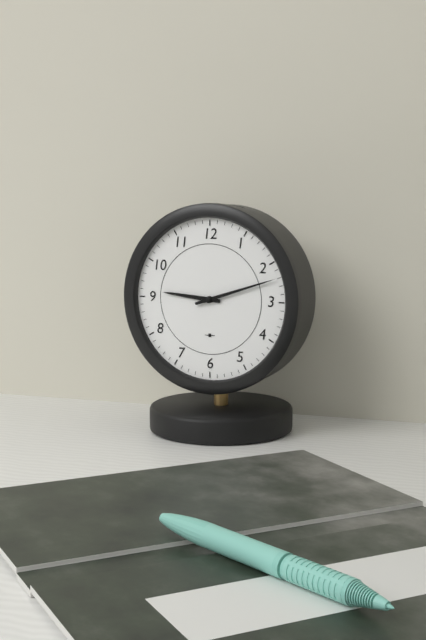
{"hour": 9, "minute": 12}
